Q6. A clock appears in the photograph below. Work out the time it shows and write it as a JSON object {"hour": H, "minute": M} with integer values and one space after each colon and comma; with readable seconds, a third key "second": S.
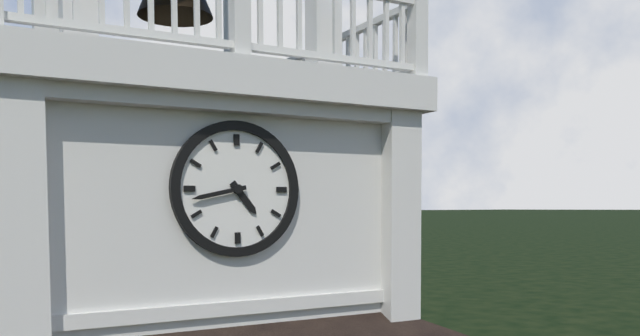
{"hour": 4, "minute": 43}
